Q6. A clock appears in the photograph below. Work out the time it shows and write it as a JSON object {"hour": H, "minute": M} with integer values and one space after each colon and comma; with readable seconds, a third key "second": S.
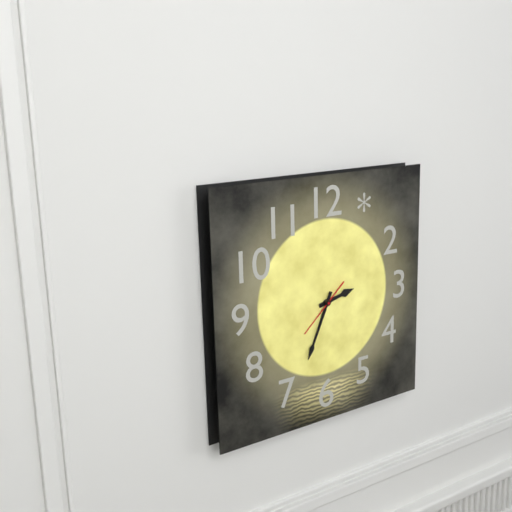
{"hour": 2, "minute": 34}
